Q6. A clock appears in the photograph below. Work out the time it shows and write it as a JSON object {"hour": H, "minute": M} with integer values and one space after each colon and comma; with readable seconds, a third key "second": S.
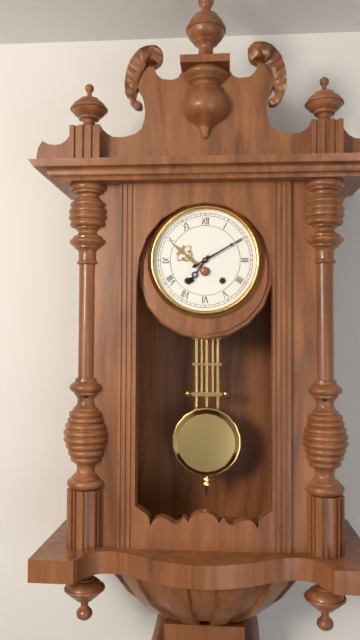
{"hour": 7, "minute": 10}
